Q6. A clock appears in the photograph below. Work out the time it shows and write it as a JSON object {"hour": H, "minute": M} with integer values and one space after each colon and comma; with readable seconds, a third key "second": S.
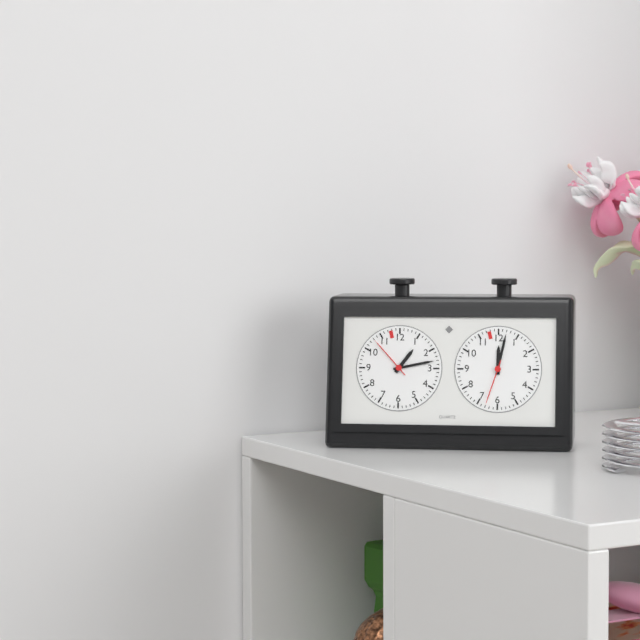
{"hour": 1, "minute": 13}
